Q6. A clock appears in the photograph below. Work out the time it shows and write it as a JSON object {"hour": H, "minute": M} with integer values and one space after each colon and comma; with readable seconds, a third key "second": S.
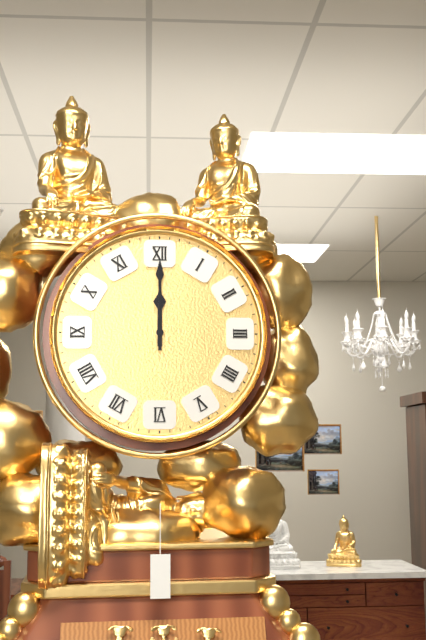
{"hour": 12, "minute": 0}
